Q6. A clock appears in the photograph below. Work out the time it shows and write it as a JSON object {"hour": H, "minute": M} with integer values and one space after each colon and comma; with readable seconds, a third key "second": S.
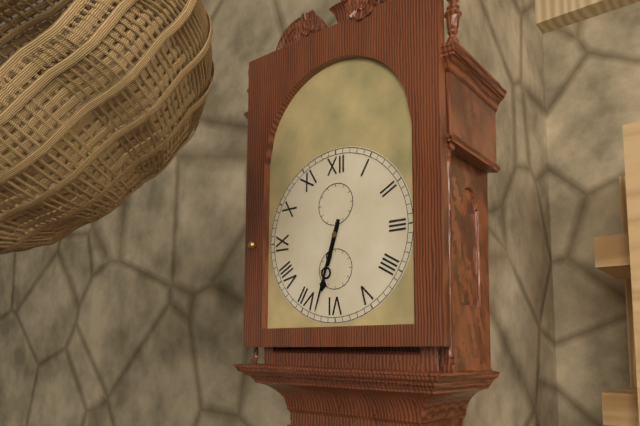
{"hour": 6, "minute": 33}
